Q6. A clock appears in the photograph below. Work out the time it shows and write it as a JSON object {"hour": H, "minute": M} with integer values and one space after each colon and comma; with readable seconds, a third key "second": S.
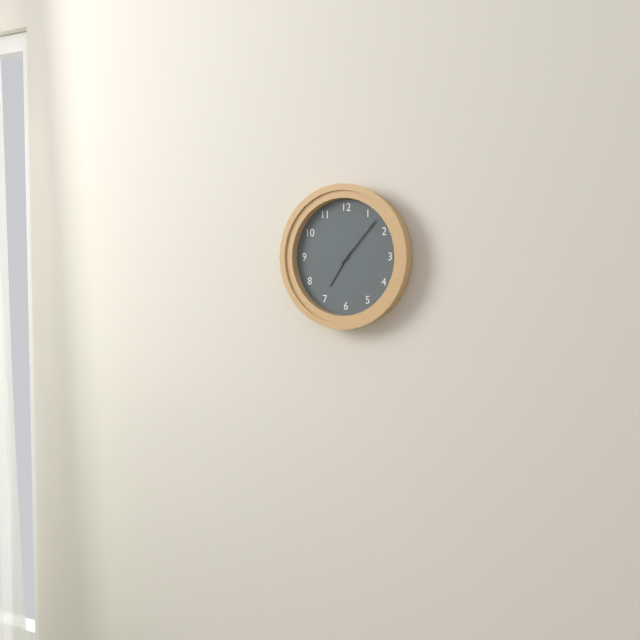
{"hour": 7, "minute": 7}
